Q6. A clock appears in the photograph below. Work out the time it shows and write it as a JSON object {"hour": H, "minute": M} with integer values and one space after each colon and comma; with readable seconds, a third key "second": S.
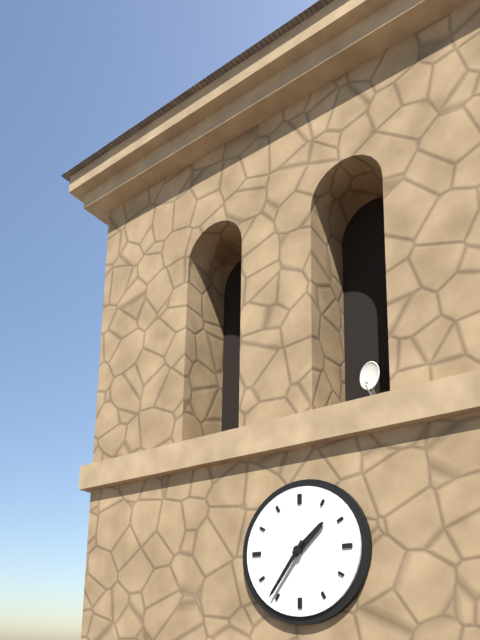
{"hour": 1, "minute": 36}
